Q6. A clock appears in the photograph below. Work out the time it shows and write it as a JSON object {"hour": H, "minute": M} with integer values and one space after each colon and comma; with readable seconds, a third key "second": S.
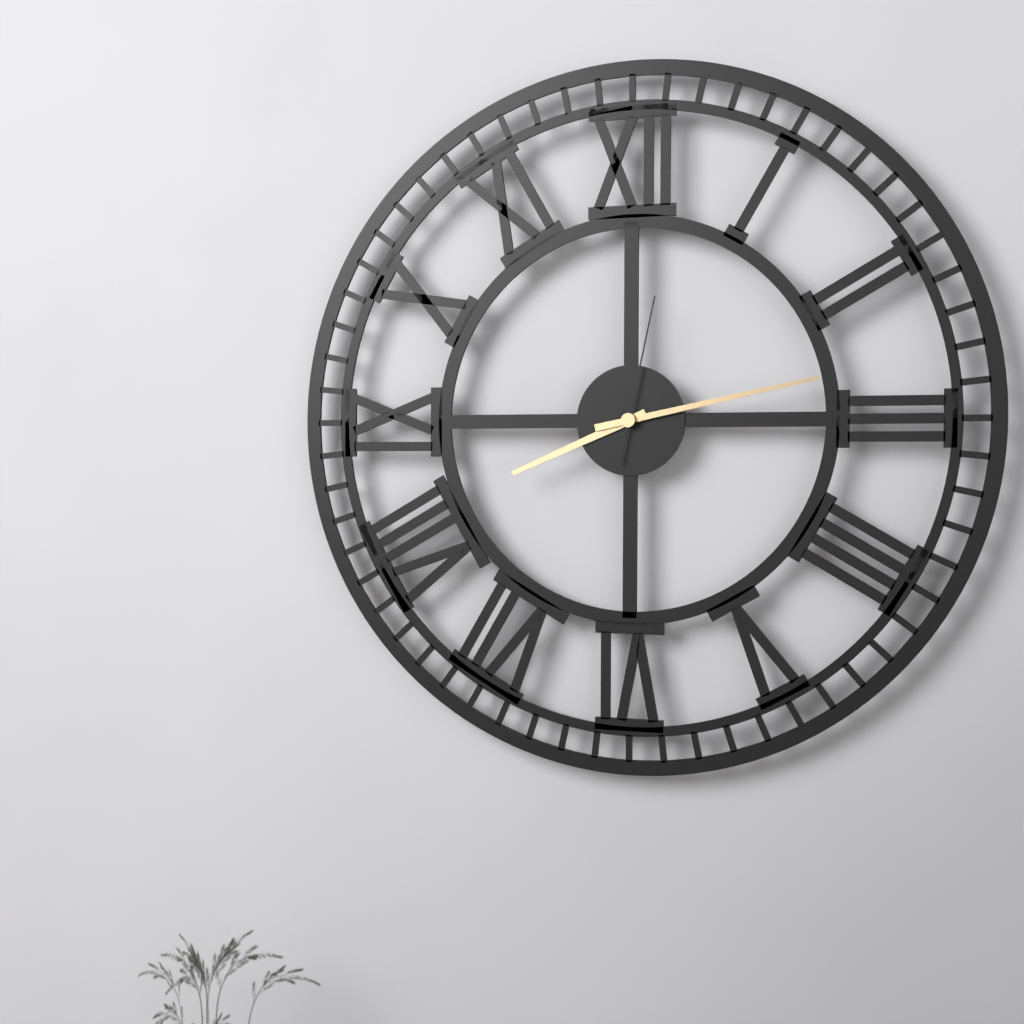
{"hour": 8, "minute": 13, "second": 2}
